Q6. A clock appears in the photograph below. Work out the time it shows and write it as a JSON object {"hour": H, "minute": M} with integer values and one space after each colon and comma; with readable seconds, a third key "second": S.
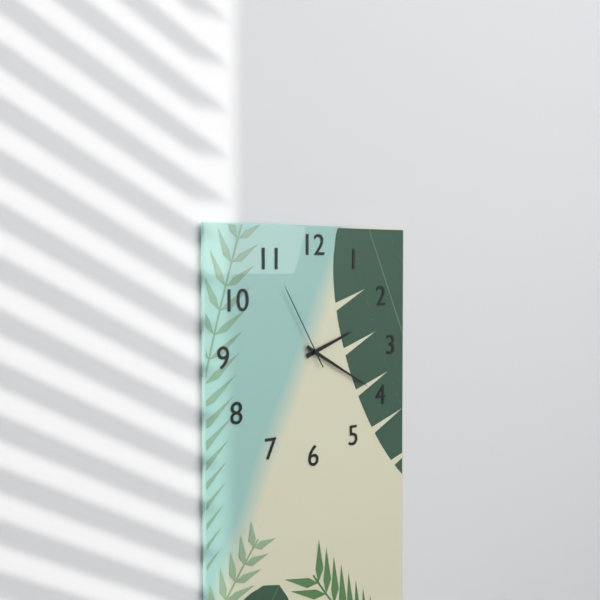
{"hour": 2, "minute": 20, "second": 55}
